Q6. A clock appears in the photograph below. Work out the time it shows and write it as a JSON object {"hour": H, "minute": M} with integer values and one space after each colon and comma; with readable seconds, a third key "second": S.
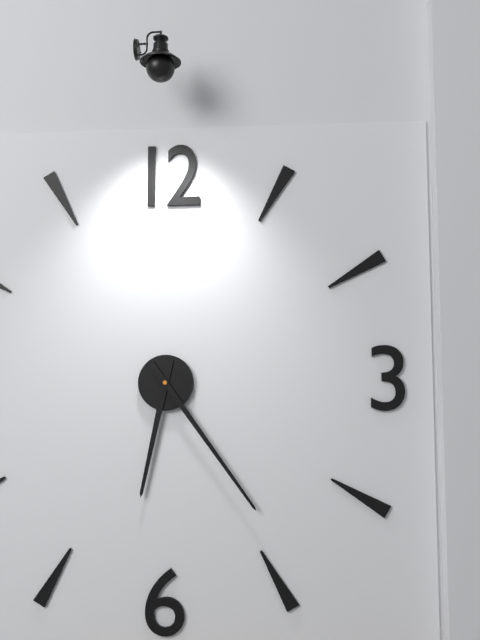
{"hour": 6, "minute": 24}
